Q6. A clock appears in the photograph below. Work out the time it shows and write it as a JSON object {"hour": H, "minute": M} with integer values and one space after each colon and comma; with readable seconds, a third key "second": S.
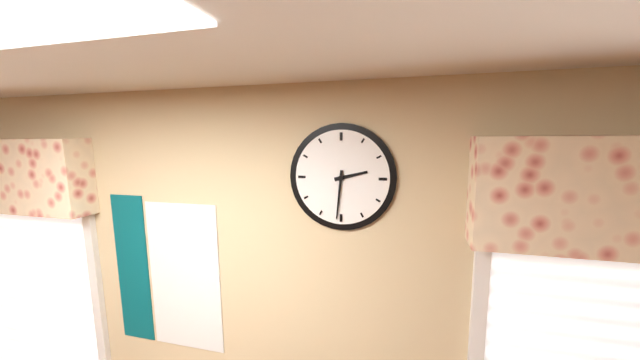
{"hour": 2, "minute": 31}
